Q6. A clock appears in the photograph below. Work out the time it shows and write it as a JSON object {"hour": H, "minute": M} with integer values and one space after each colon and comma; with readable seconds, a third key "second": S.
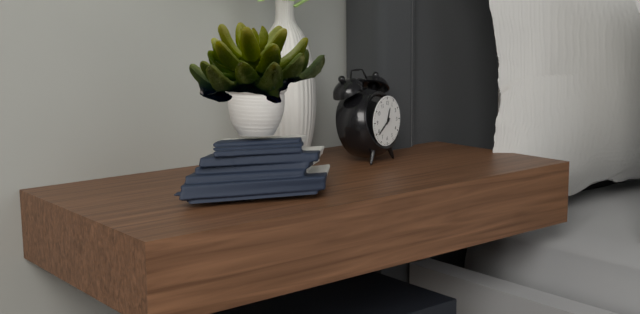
{"hour": 12, "minute": 39}
